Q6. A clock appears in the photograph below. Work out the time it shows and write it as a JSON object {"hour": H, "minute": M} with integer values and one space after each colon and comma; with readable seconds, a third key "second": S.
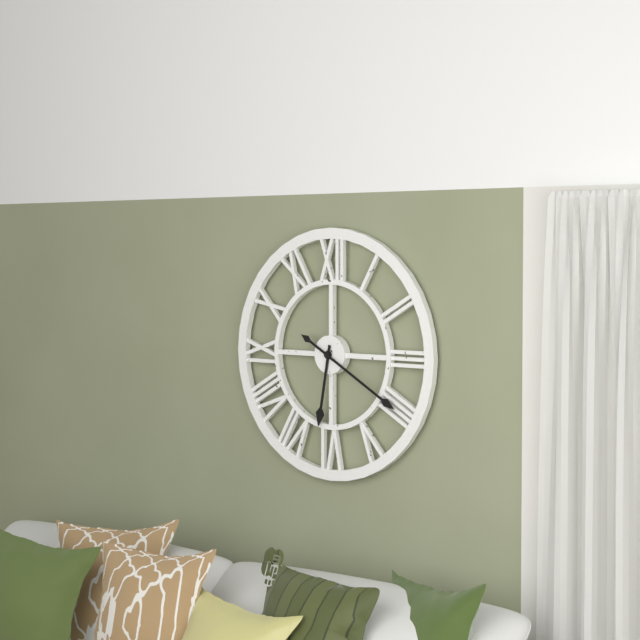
{"hour": 6, "minute": 20}
